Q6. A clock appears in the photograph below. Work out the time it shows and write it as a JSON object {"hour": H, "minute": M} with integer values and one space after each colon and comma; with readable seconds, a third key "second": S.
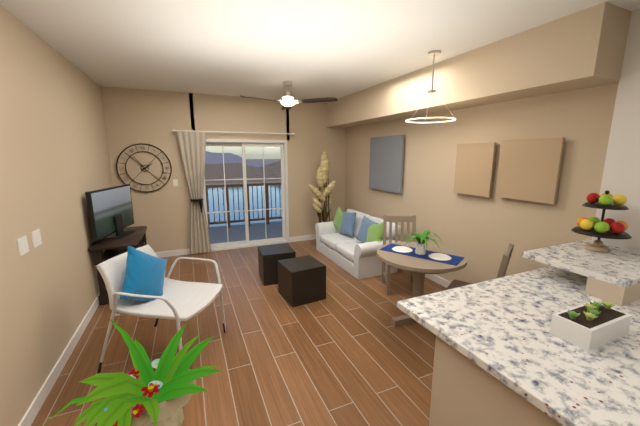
{"hour": 1, "minute": 54}
